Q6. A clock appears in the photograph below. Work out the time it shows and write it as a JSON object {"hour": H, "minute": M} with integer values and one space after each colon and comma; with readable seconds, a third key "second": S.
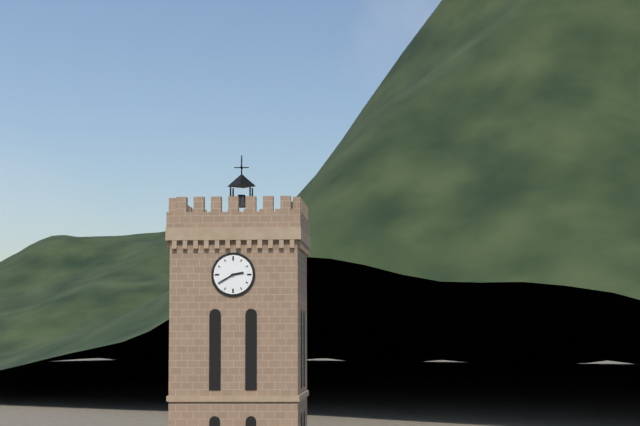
{"hour": 2, "minute": 40}
